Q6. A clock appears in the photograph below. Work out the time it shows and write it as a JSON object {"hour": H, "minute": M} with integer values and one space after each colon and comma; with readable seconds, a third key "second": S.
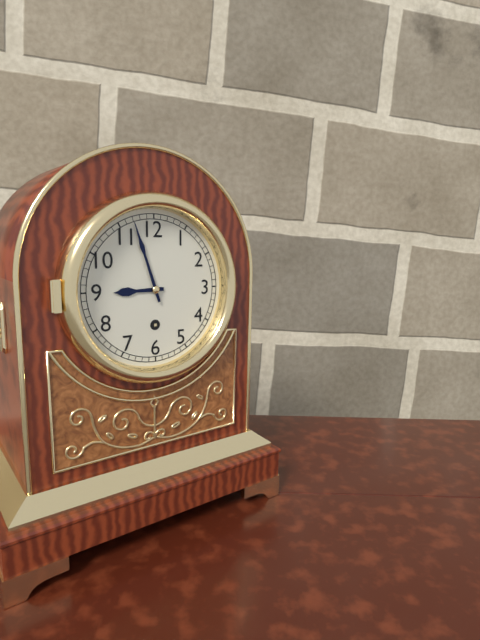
{"hour": 8, "minute": 57}
